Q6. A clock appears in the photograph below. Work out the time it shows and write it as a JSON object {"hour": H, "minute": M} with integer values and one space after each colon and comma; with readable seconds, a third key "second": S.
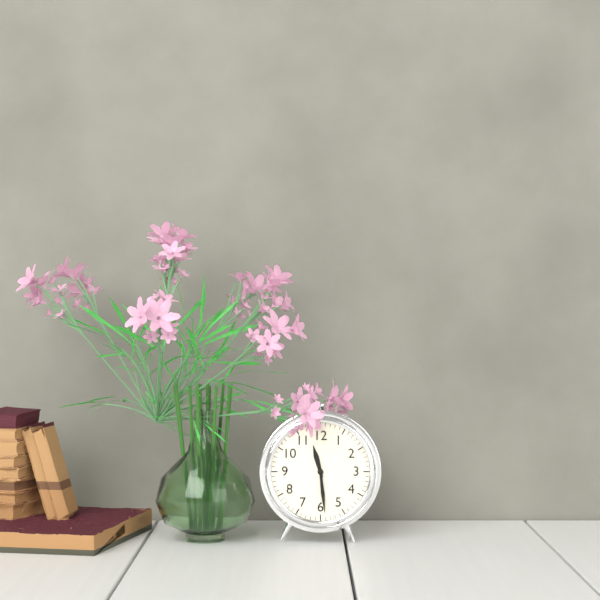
{"hour": 11, "minute": 29}
